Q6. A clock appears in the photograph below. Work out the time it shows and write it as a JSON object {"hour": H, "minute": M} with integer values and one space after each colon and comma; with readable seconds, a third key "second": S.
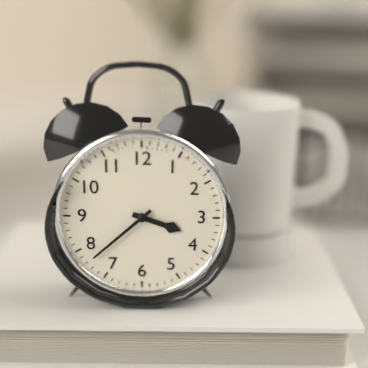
{"hour": 3, "minute": 38}
